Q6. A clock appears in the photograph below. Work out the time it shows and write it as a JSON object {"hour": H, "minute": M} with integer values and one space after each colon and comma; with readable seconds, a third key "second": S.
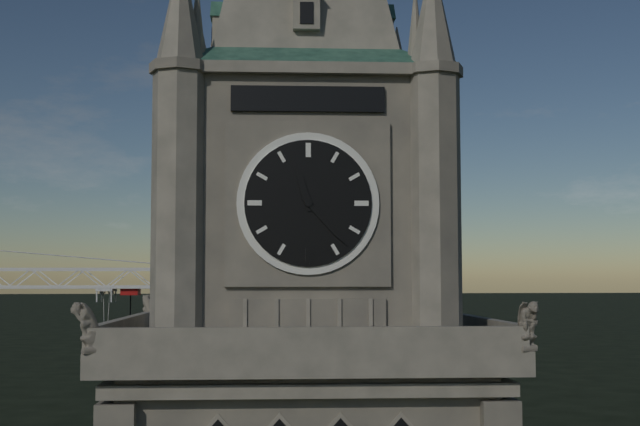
{"hour": 11, "minute": 23}
